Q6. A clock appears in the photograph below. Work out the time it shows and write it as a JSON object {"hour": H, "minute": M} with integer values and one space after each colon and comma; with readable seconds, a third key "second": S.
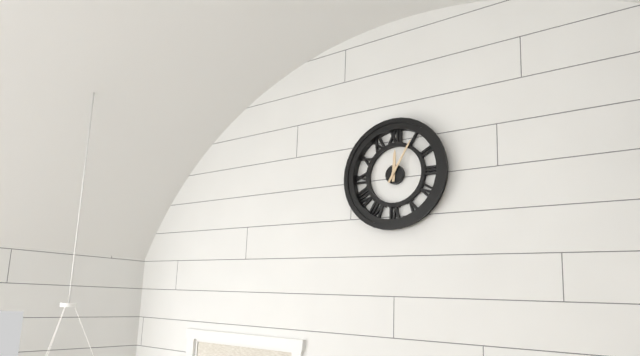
{"hour": 12, "minute": 5}
